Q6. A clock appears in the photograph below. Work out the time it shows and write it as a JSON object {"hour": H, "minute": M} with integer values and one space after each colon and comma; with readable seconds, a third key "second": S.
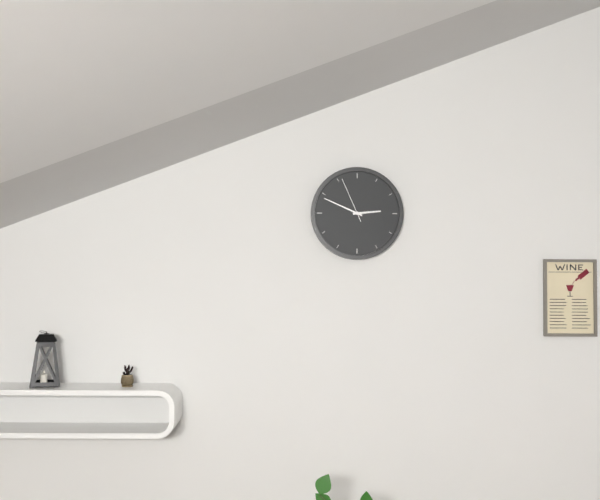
{"hour": 2, "minute": 49}
